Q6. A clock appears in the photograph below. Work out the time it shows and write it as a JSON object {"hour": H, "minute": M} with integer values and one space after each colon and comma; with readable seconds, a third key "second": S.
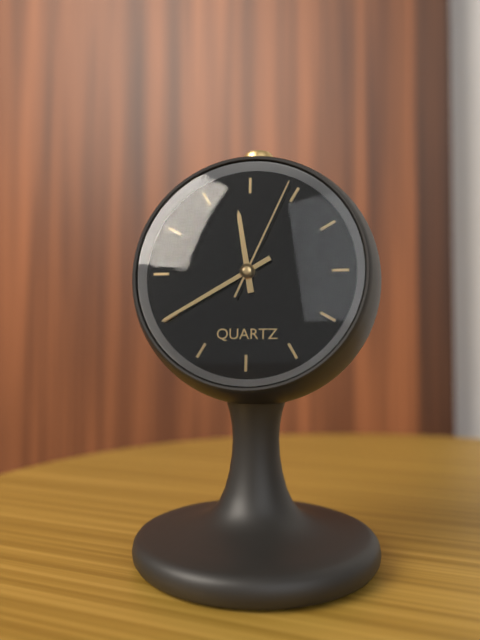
{"hour": 11, "minute": 40, "second": 4}
